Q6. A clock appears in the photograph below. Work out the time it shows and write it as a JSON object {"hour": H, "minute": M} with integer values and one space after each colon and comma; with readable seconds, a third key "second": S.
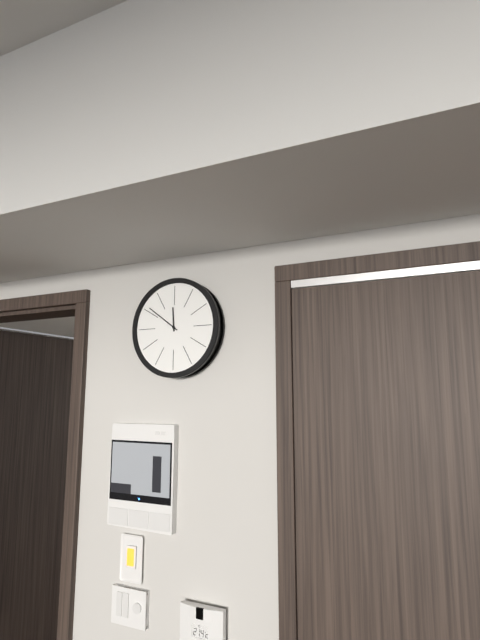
{"hour": 11, "minute": 51}
